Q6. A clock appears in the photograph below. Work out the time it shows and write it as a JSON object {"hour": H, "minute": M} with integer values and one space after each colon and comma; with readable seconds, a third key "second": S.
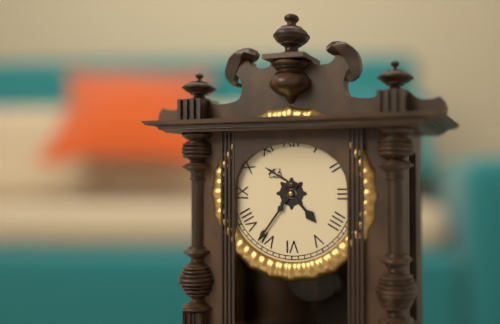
{"hour": 4, "minute": 36}
